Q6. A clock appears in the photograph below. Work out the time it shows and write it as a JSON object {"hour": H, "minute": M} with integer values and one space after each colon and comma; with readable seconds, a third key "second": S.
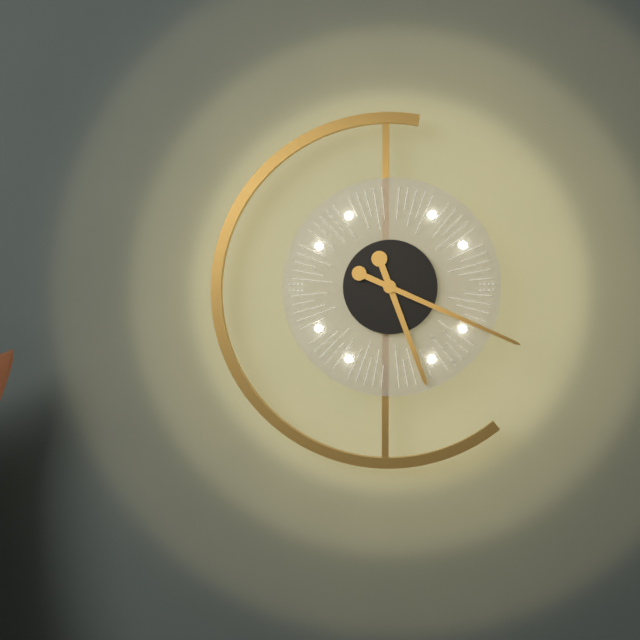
{"hour": 5, "minute": 19}
